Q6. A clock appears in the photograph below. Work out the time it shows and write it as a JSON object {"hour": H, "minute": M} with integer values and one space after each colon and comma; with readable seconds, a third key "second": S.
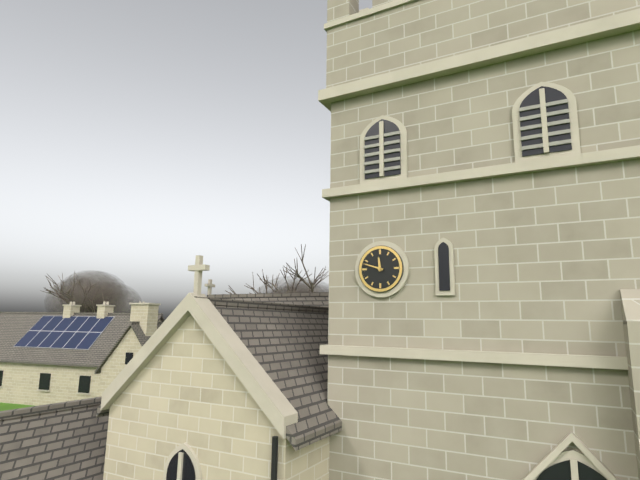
{"hour": 11, "minute": 48}
